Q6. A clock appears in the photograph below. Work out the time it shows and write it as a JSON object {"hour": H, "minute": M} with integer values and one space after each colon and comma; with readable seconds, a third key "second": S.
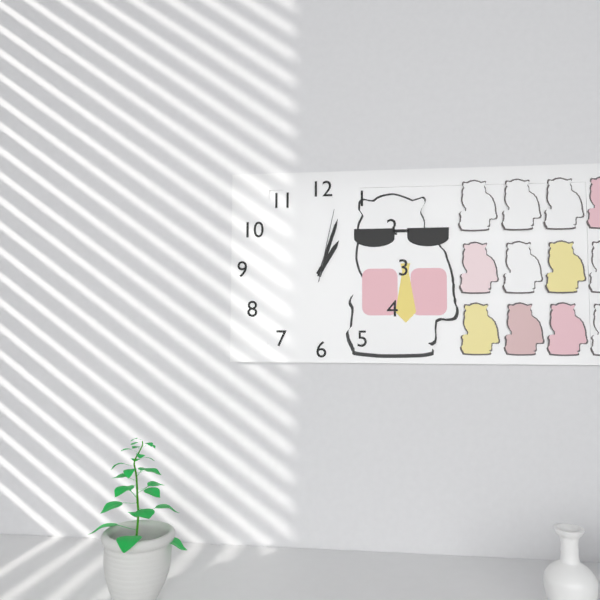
{"hour": 1, "minute": 3, "second": 2}
